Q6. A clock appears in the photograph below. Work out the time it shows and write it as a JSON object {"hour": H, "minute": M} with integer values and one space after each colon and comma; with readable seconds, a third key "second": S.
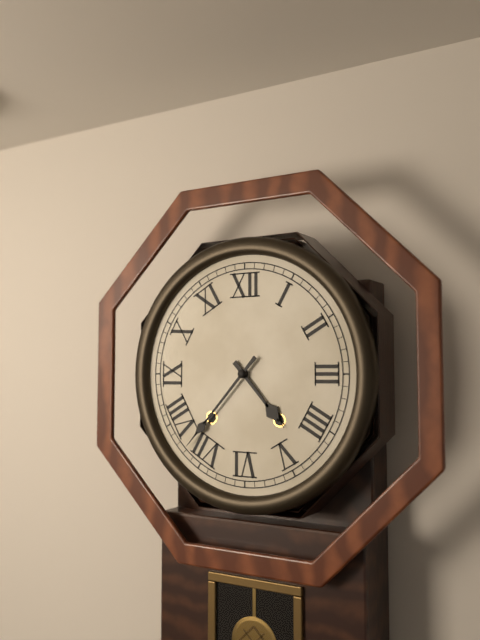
{"hour": 4, "minute": 37}
